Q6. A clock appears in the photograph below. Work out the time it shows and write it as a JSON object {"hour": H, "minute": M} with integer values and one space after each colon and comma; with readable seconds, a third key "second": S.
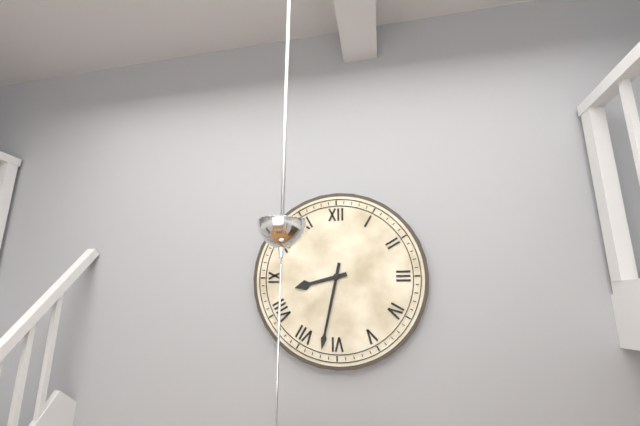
{"hour": 8, "minute": 32}
